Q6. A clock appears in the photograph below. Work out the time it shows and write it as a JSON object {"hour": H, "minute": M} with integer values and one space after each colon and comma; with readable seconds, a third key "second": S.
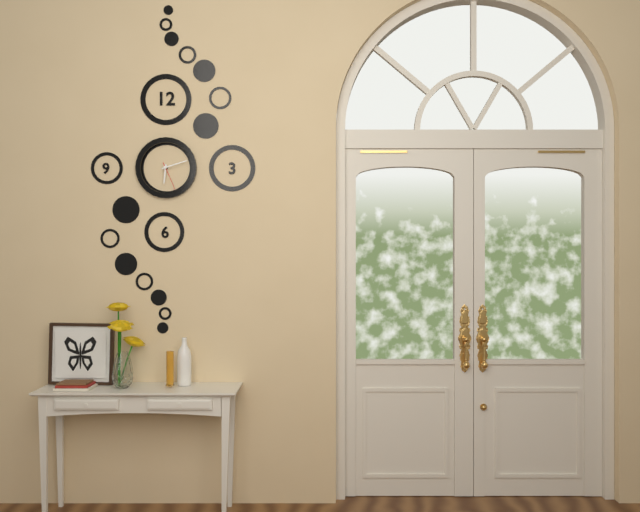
{"hour": 6, "minute": 12}
